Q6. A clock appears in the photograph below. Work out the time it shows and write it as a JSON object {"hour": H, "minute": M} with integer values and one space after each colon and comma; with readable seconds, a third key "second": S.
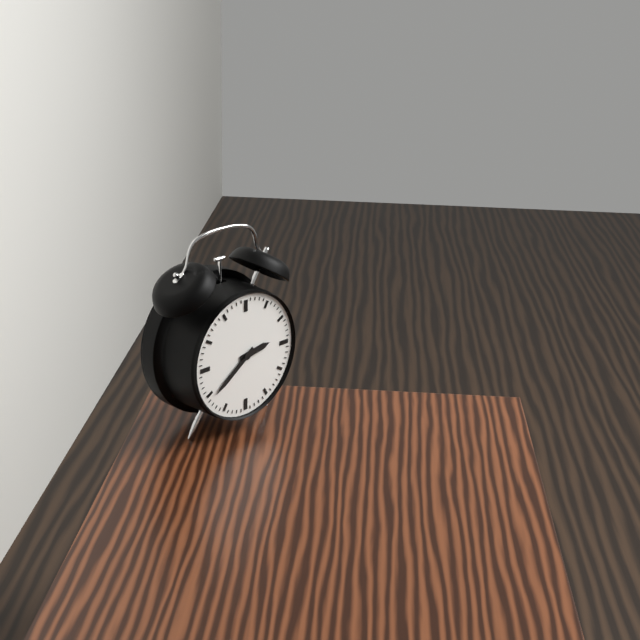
{"hour": 2, "minute": 39}
